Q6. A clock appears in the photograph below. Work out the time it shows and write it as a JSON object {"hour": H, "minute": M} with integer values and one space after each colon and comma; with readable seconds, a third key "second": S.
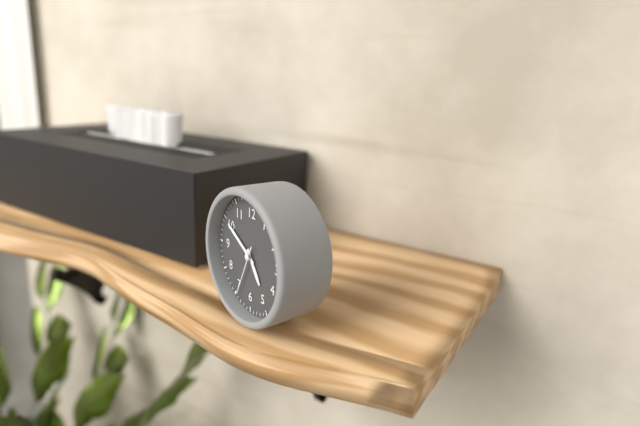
{"hour": 4, "minute": 50}
